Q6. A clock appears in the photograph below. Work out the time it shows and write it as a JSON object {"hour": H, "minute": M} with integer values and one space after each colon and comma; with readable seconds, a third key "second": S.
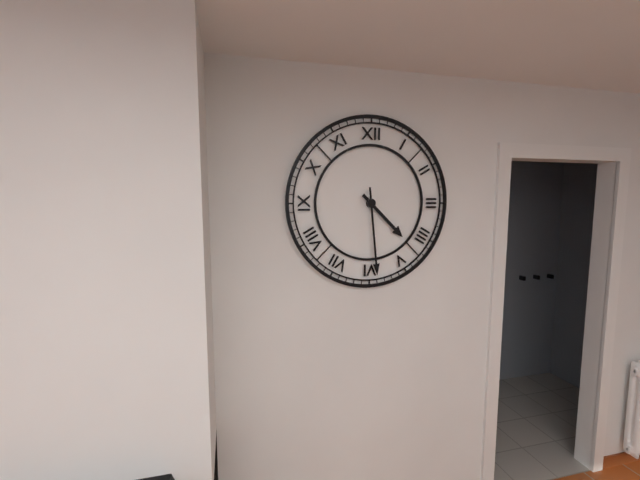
{"hour": 4, "minute": 29}
